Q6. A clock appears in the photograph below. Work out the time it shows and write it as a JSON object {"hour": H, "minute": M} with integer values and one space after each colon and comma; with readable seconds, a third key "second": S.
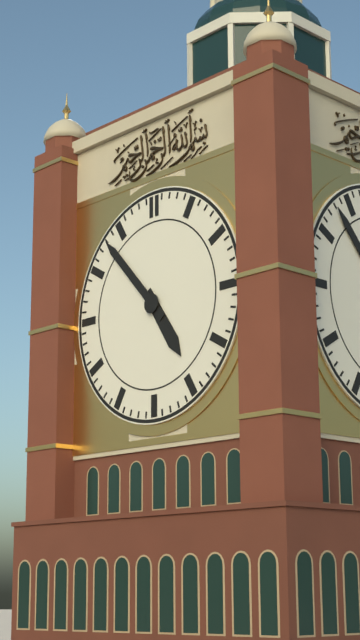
{"hour": 4, "minute": 53}
